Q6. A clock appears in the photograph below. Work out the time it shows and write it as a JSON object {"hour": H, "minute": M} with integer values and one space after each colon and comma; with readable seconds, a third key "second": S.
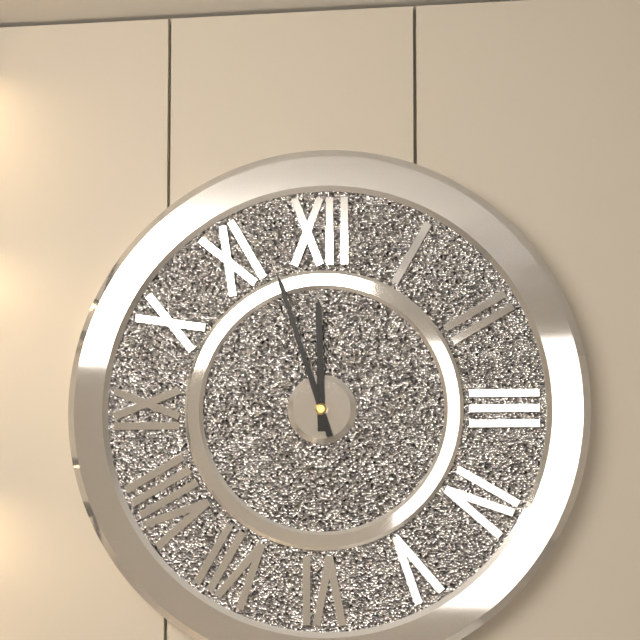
{"hour": 11, "minute": 57}
